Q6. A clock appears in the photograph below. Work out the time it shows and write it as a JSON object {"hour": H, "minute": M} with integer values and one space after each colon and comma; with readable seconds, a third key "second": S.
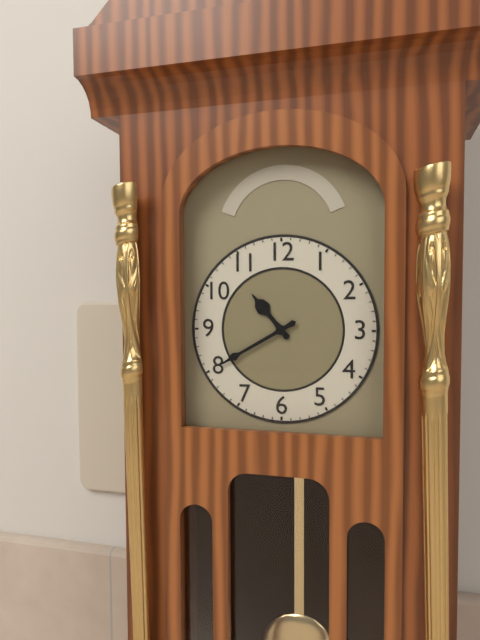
{"hour": 10, "minute": 40}
